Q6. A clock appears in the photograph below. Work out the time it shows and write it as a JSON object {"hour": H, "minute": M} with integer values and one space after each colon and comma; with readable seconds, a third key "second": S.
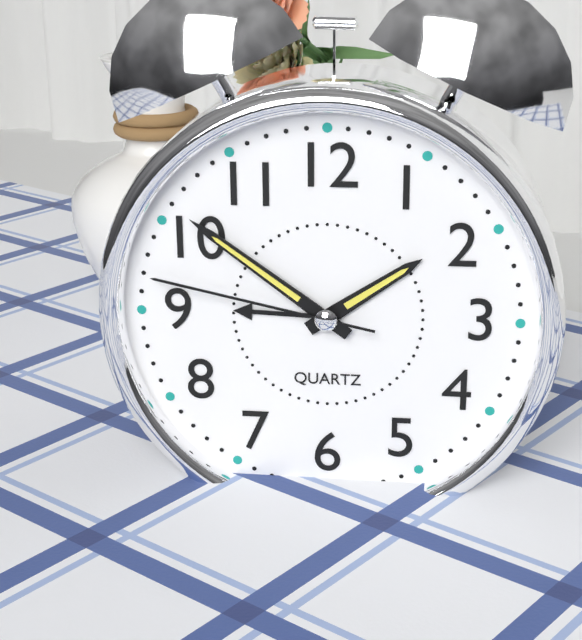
{"hour": 1, "minute": 51, "second": 47}
